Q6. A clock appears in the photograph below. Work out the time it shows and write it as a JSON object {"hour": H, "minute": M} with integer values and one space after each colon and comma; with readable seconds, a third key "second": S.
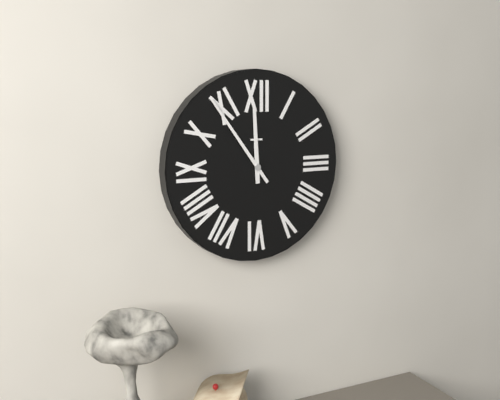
{"hour": 11, "minute": 54}
